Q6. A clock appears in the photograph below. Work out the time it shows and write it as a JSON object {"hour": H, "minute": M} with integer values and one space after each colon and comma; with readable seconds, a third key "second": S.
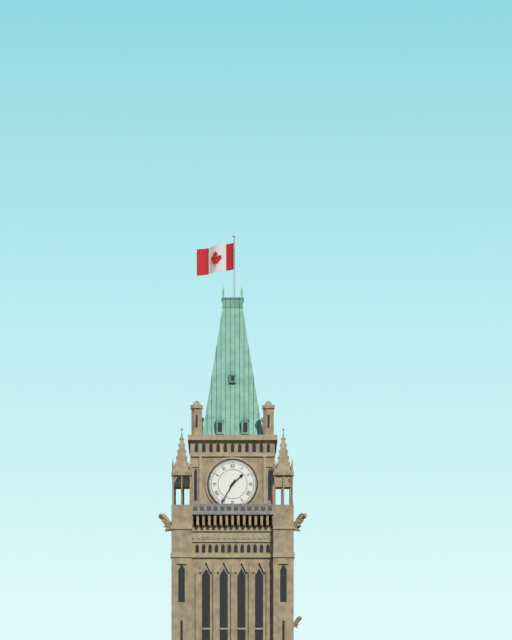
{"hour": 1, "minute": 35}
